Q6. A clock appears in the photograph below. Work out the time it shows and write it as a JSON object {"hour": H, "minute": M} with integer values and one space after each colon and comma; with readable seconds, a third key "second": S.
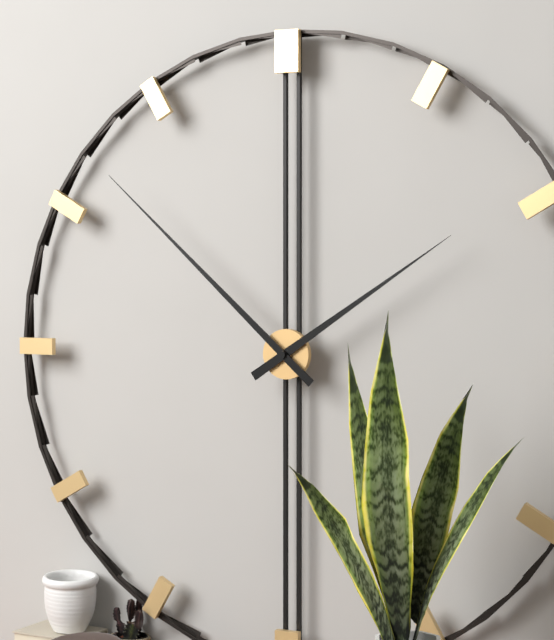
{"hour": 1, "minute": 52}
